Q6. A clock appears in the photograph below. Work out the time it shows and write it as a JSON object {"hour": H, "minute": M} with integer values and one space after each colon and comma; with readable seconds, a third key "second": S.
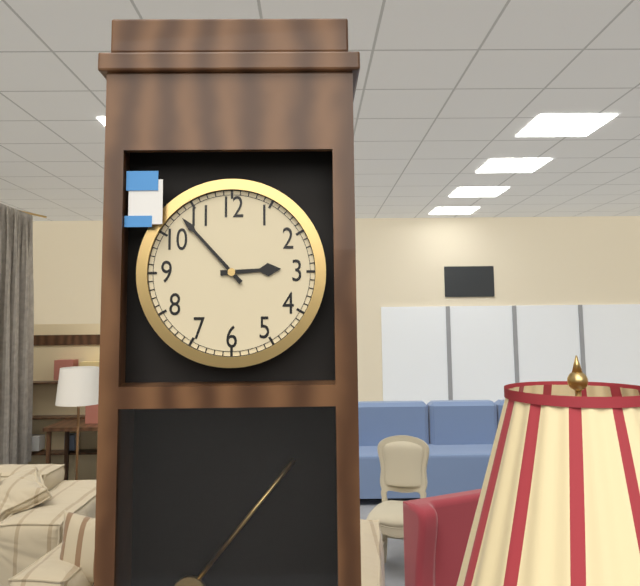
{"hour": 2, "minute": 53}
